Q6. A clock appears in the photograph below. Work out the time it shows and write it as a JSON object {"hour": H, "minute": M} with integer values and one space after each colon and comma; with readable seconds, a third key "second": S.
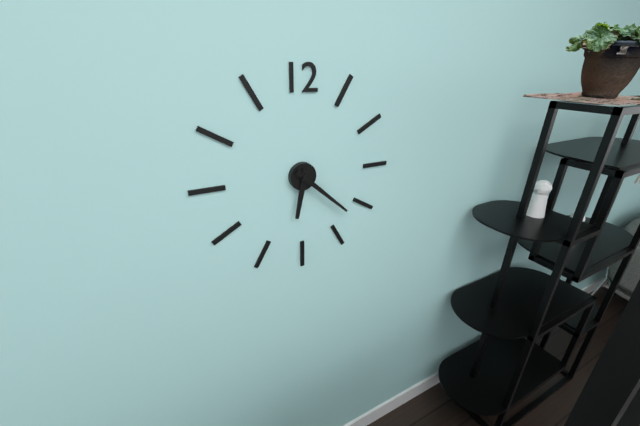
{"hour": 6, "minute": 22}
